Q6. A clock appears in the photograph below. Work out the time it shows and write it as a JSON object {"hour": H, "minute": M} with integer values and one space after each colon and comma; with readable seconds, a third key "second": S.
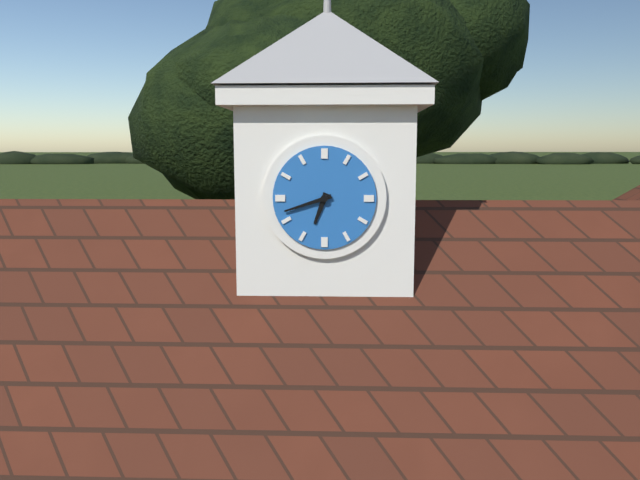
{"hour": 6, "minute": 42}
